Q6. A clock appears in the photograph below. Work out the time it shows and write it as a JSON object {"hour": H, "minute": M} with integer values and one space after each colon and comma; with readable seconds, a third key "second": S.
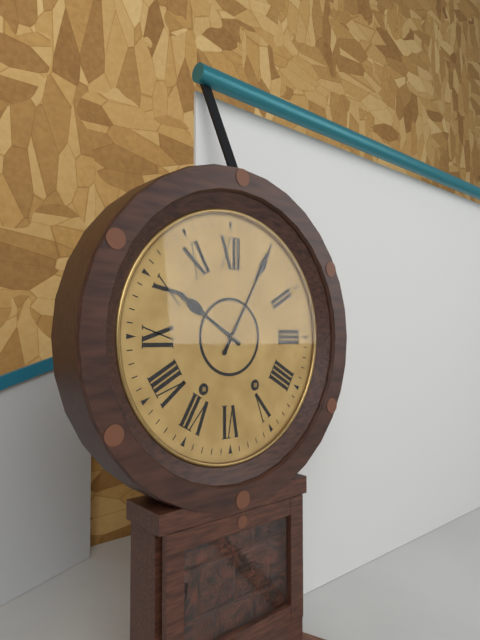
{"hour": 10, "minute": 5}
